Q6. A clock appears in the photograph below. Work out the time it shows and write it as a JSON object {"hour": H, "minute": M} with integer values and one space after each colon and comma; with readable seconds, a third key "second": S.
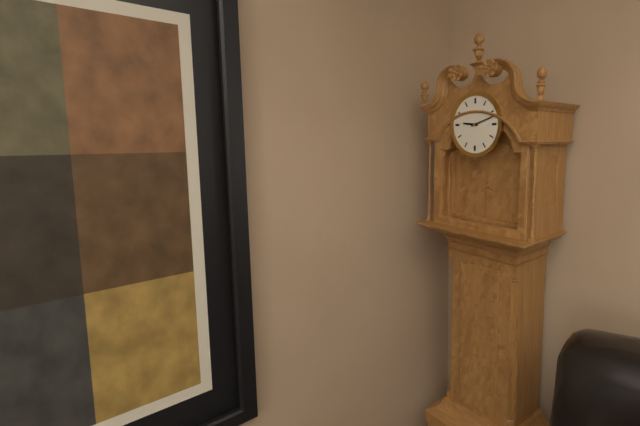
{"hour": 9, "minute": 12}
